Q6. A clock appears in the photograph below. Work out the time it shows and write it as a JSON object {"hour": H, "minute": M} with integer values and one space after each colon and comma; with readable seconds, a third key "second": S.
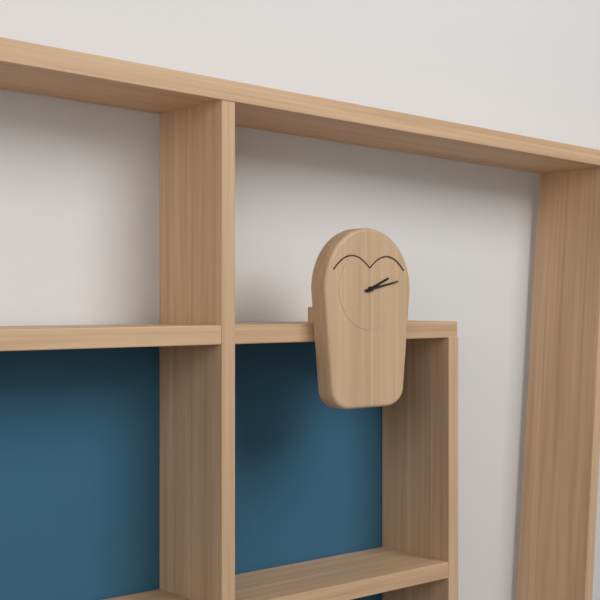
{"hour": 2, "minute": 13}
